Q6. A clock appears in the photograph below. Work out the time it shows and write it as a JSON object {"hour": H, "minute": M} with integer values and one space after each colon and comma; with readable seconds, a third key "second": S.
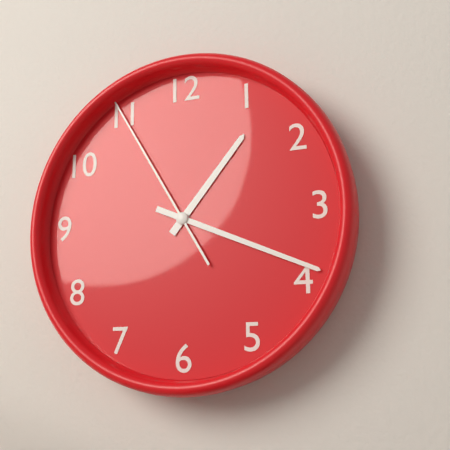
{"hour": 1, "minute": 19, "second": 55}
